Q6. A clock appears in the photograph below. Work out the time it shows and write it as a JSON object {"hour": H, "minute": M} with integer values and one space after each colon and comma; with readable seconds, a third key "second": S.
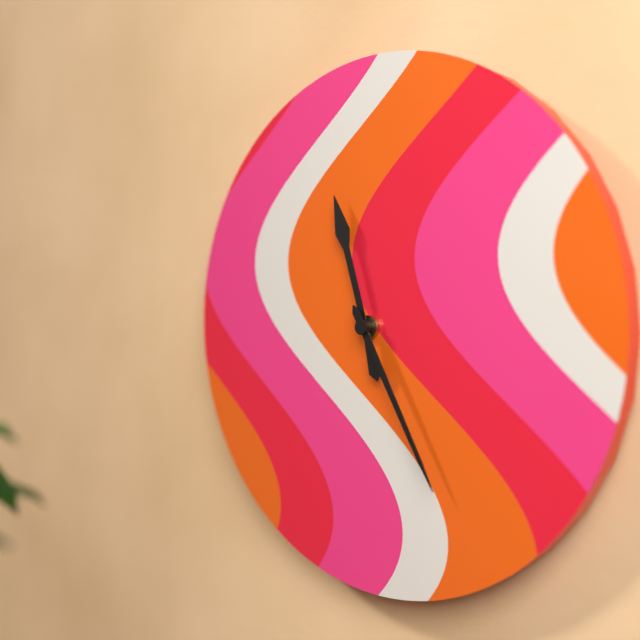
{"hour": 11, "minute": 25}
